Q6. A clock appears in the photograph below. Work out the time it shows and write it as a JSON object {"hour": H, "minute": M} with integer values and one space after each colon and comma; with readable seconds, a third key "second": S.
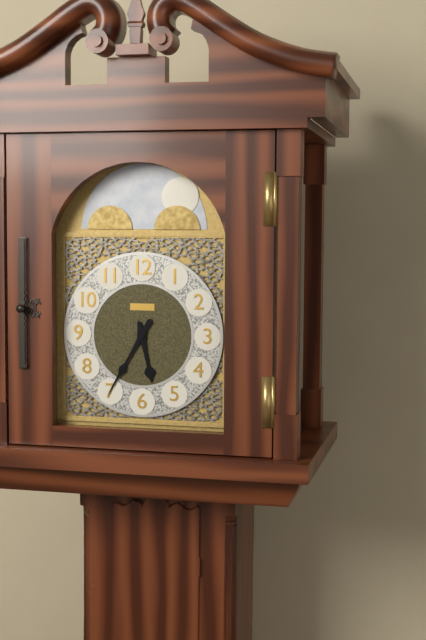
{"hour": 5, "minute": 35}
